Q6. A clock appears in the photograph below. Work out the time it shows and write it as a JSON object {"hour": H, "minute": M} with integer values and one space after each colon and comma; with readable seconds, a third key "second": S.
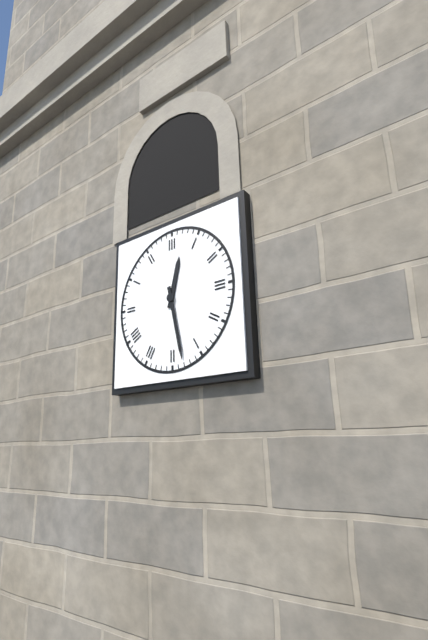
{"hour": 12, "minute": 28}
